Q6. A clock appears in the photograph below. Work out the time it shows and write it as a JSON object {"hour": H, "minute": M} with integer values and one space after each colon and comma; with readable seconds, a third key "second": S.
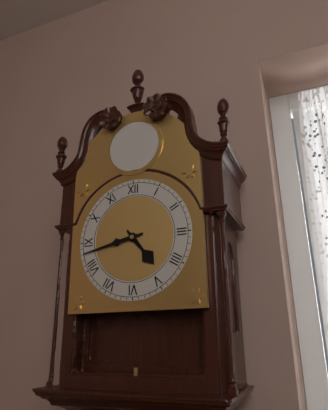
{"hour": 4, "minute": 43}
